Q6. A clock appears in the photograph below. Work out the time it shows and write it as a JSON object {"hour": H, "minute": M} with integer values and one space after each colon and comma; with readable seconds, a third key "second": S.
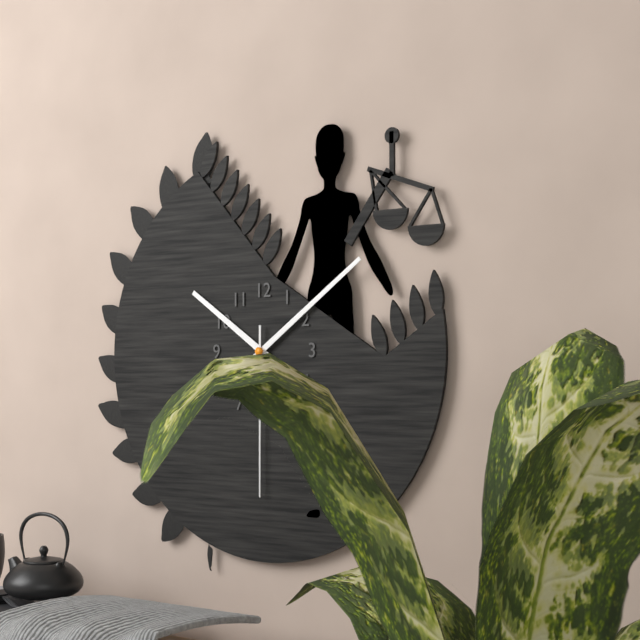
{"hour": 10, "minute": 9, "second": 30}
